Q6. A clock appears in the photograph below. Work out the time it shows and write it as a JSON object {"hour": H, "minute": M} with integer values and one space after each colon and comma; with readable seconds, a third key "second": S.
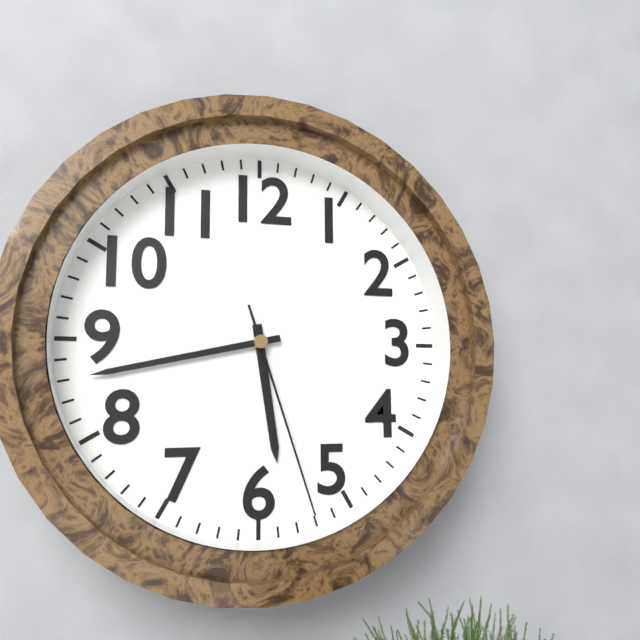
{"hour": 5, "minute": 43, "second": 27}
